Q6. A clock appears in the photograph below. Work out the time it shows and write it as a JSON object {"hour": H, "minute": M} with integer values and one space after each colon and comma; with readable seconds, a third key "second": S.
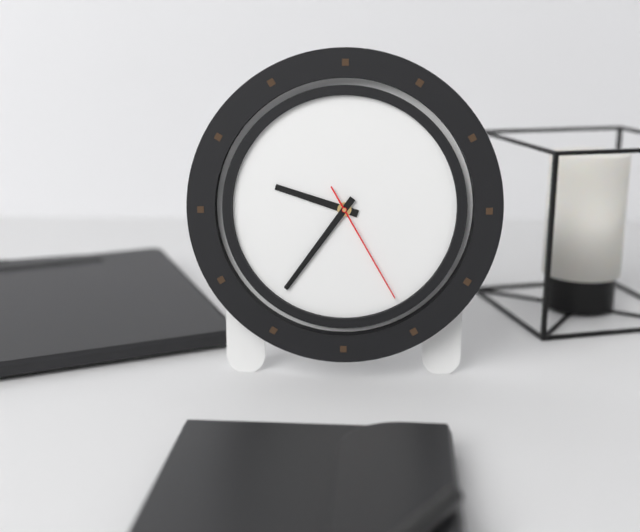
{"hour": 9, "minute": 36, "second": 25}
